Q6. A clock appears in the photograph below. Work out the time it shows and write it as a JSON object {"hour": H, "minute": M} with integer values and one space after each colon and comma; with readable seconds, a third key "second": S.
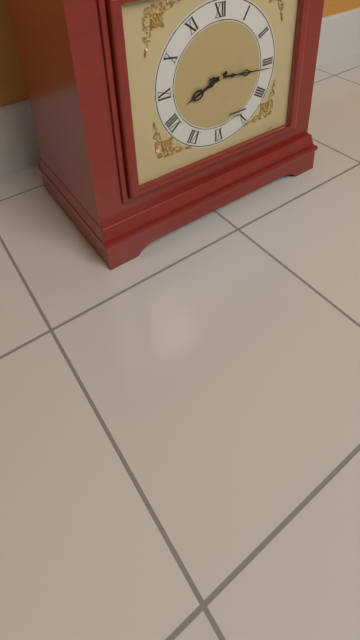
{"hour": 8, "minute": 16}
